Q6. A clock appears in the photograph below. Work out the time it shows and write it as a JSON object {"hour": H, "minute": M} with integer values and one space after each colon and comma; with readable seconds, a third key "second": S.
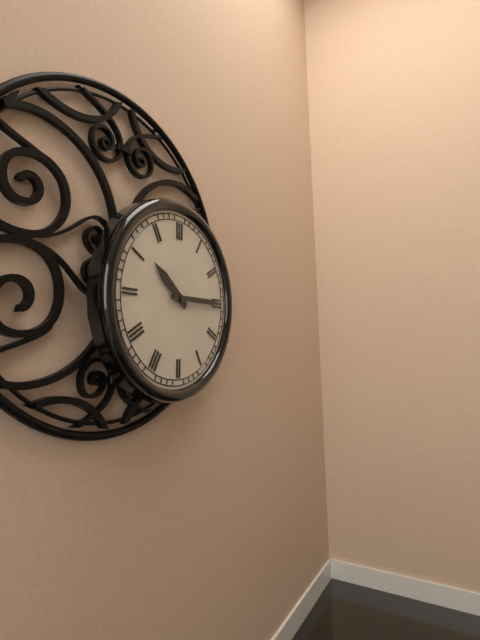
{"hour": 10, "minute": 15}
